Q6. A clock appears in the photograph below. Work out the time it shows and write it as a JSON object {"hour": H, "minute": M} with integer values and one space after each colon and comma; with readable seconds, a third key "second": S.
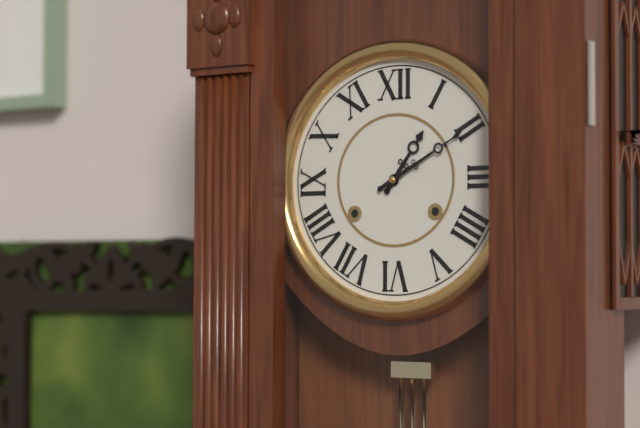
{"hour": 1, "minute": 10}
